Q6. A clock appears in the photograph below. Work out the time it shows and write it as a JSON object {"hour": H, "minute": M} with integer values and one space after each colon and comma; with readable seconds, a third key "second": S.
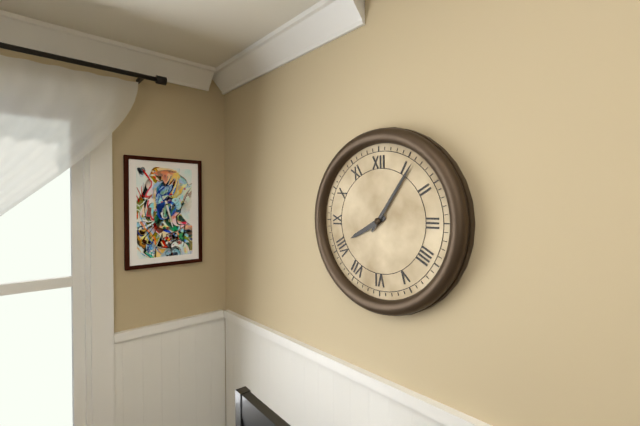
{"hour": 8, "minute": 6}
